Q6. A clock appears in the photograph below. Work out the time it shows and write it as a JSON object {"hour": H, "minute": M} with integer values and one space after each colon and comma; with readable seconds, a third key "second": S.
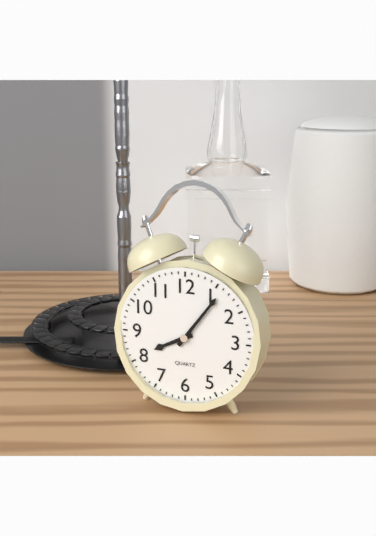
{"hour": 8, "minute": 6}
